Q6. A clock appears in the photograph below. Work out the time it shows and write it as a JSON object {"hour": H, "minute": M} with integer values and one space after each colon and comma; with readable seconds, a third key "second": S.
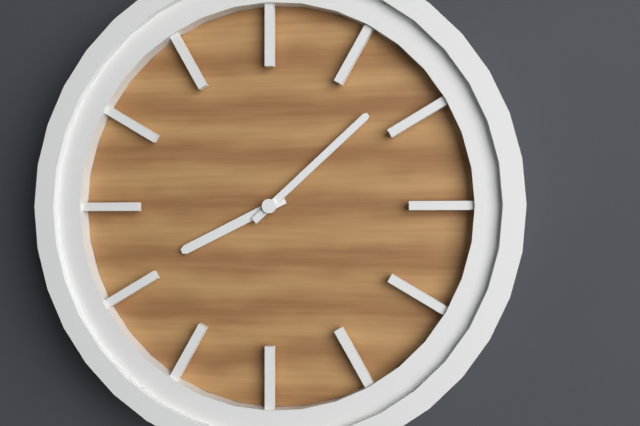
{"hour": 8, "minute": 8}
